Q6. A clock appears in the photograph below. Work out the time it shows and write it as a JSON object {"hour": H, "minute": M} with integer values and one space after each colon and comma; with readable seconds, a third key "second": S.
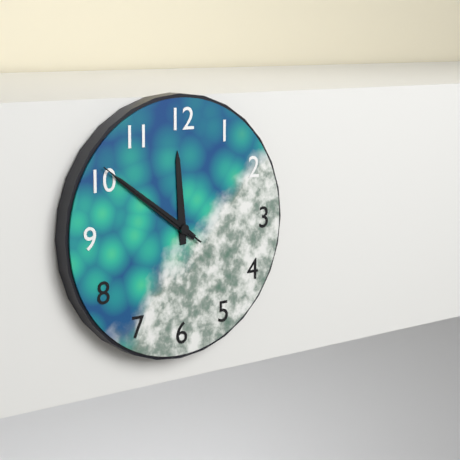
{"hour": 11, "minute": 51, "second": 51}
